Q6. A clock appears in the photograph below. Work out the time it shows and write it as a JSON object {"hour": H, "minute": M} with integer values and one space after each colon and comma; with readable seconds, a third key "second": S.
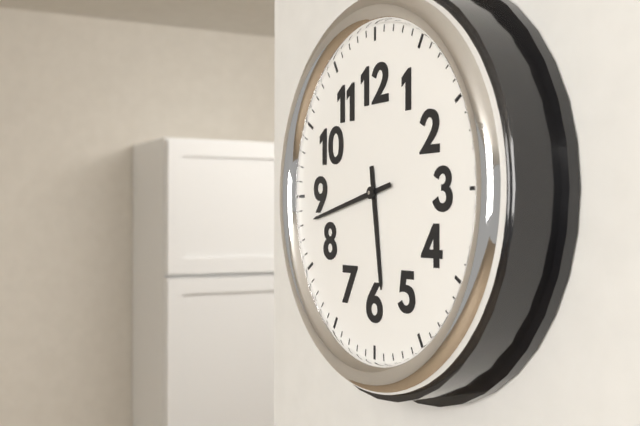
{"hour": 5, "minute": 43}
